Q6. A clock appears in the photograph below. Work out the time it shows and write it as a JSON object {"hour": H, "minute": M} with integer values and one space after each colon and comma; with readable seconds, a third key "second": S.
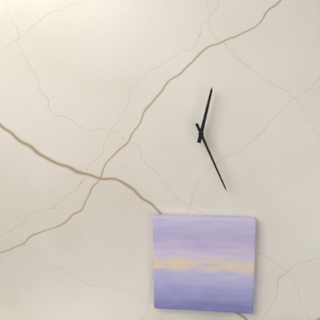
{"hour": 12, "minute": 26}
